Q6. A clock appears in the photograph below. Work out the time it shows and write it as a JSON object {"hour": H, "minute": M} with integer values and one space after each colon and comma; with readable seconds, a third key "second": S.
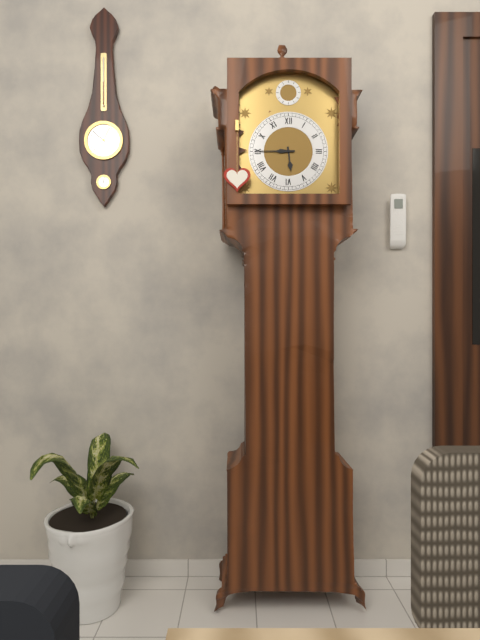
{"hour": 5, "minute": 45}
